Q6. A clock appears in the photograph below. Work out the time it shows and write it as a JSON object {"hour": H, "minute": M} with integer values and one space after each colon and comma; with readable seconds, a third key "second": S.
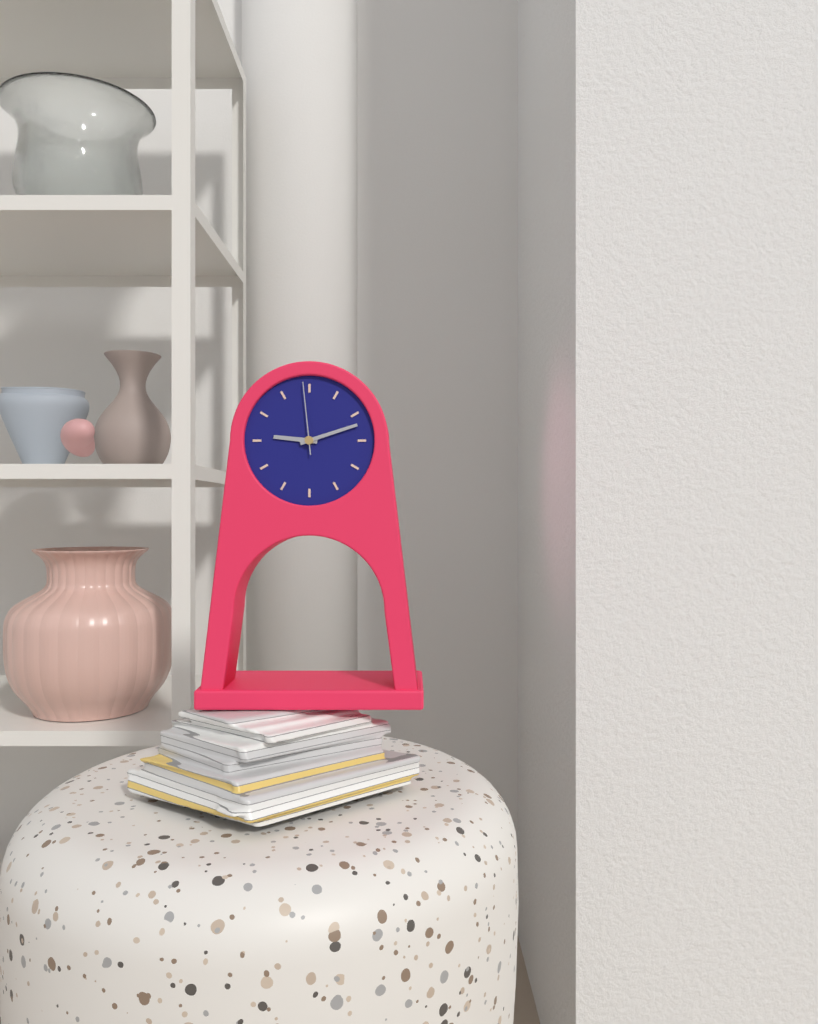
{"hour": 9, "minute": 12, "second": 59}
